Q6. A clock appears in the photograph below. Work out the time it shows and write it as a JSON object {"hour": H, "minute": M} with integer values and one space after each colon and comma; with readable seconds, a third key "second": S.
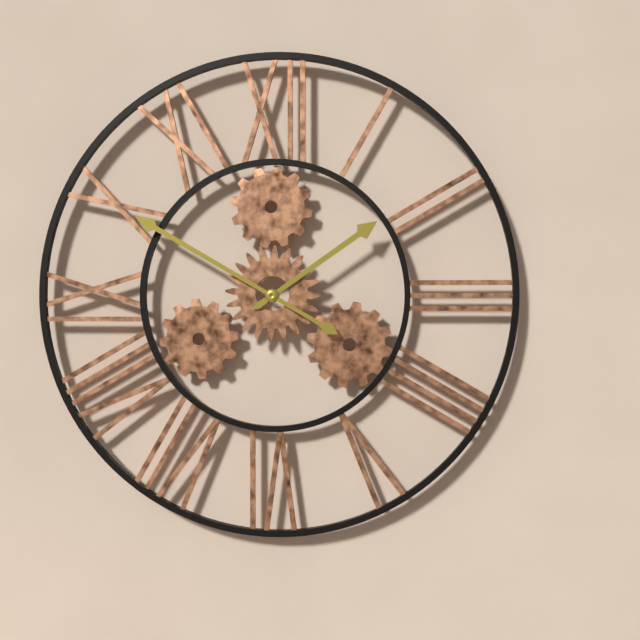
{"hour": 1, "minute": 50}
